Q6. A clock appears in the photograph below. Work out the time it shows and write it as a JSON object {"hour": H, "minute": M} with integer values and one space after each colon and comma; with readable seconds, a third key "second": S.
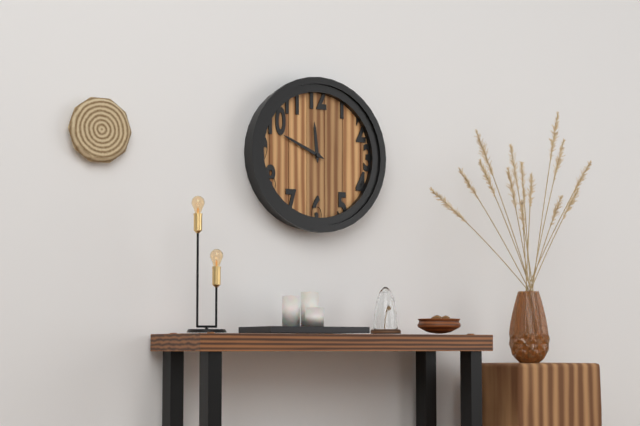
{"hour": 11, "minute": 49}
